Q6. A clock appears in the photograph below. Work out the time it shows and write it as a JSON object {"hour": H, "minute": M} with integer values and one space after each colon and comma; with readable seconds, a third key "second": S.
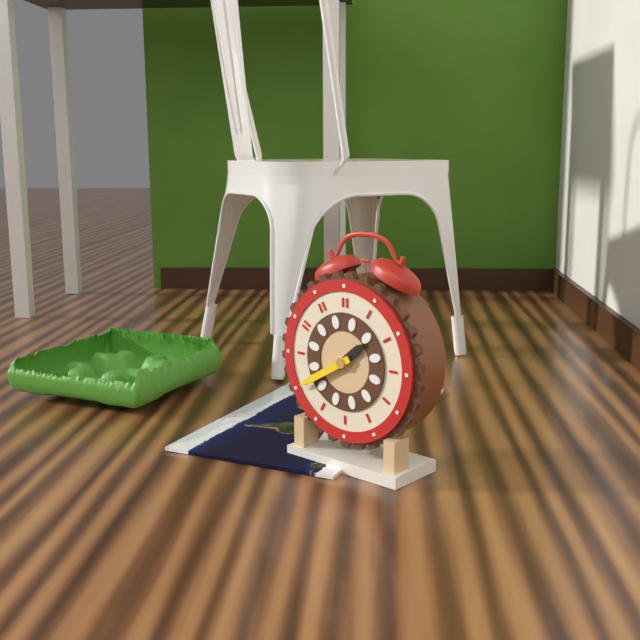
{"hour": 1, "minute": 40}
